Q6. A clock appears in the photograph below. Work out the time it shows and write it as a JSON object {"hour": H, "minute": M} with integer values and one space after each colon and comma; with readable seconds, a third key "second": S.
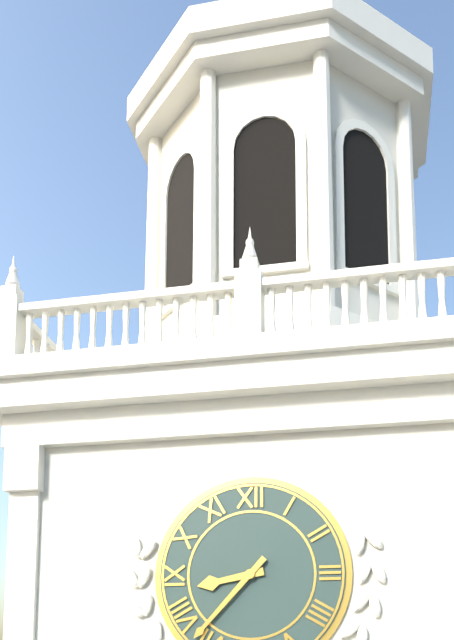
{"hour": 8, "minute": 37}
